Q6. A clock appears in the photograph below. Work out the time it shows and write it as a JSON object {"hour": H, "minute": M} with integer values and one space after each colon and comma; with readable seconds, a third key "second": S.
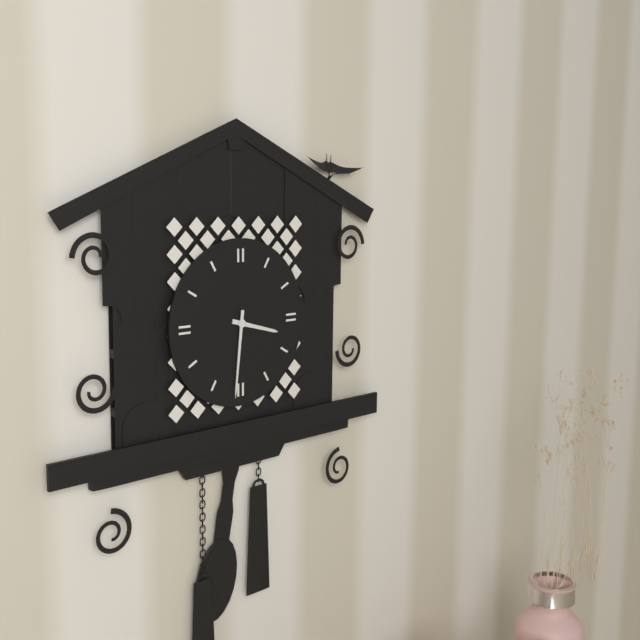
{"hour": 3, "minute": 31}
